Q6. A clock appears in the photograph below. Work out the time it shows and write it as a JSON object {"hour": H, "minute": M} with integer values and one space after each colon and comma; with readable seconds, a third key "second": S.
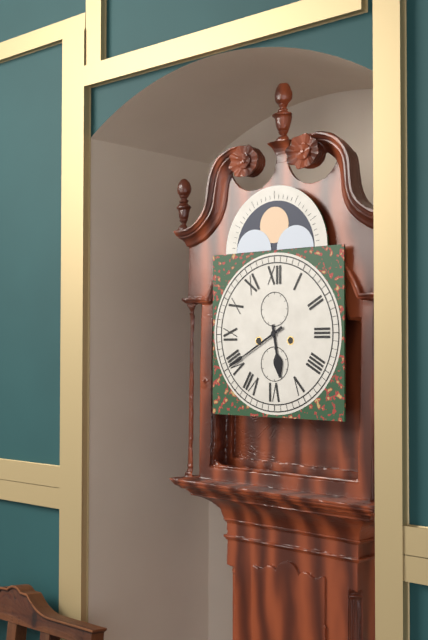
{"hour": 5, "minute": 40}
